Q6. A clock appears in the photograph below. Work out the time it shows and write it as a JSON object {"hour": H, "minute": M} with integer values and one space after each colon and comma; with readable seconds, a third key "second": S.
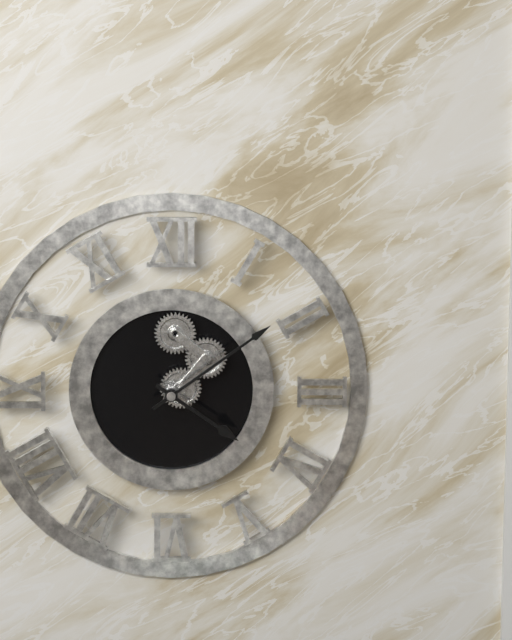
{"hour": 4, "minute": 9}
